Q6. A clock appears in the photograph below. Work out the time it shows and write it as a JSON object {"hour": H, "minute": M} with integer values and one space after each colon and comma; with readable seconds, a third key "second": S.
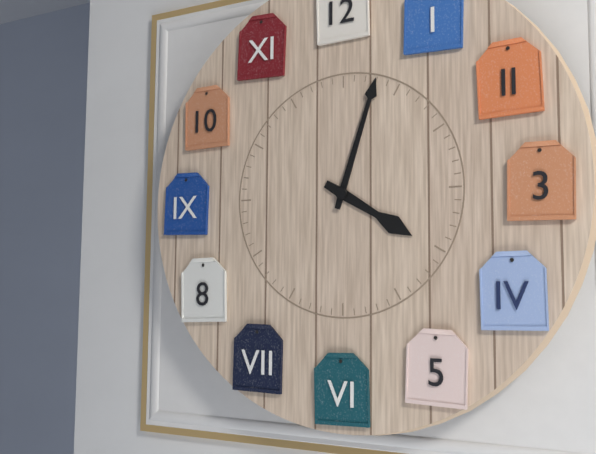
{"hour": 4, "minute": 3}
